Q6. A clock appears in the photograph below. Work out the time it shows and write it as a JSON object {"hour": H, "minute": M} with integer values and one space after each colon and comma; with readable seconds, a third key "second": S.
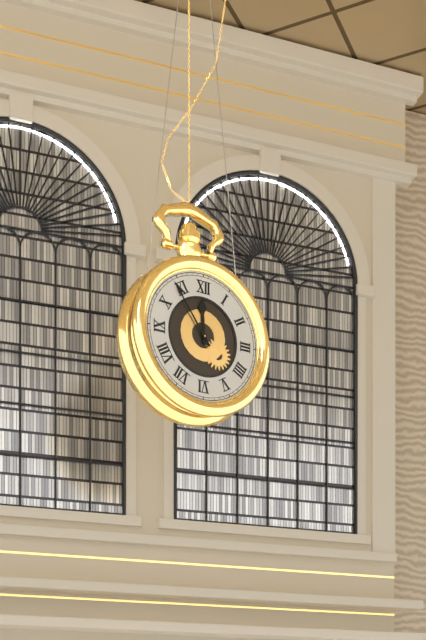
{"hour": 11, "minute": 54}
